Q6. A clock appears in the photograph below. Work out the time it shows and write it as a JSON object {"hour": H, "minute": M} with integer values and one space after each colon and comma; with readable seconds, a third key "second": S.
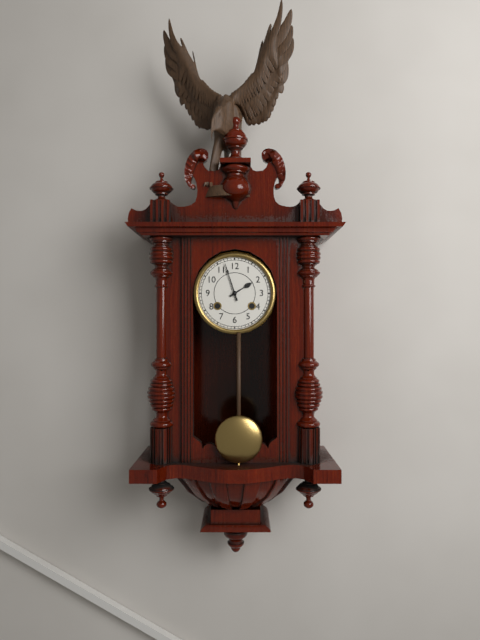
{"hour": 1, "minute": 57}
